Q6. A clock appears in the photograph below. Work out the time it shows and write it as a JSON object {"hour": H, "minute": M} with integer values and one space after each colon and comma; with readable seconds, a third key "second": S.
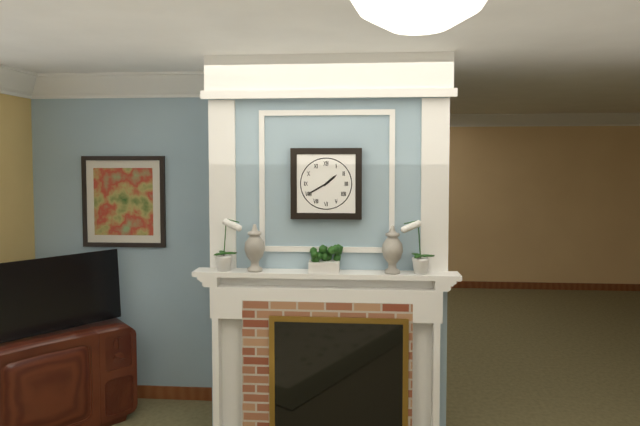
{"hour": 1, "minute": 40}
